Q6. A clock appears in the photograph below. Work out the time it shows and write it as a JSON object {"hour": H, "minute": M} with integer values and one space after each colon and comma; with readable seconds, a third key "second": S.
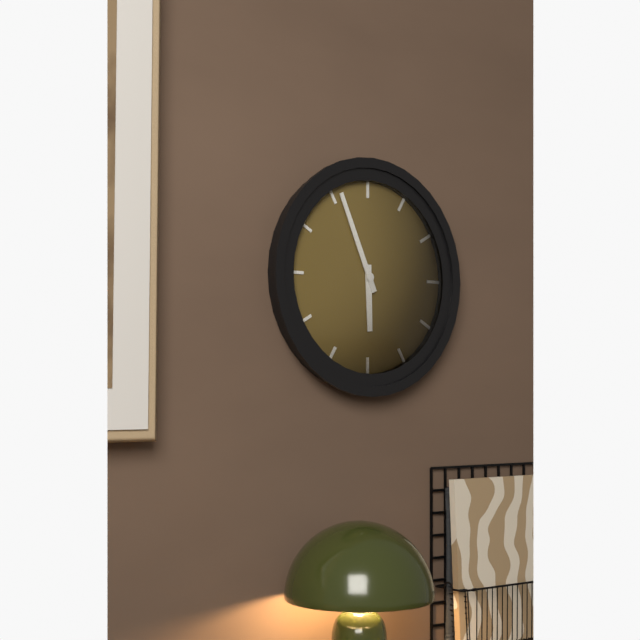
{"hour": 5, "minute": 56}
